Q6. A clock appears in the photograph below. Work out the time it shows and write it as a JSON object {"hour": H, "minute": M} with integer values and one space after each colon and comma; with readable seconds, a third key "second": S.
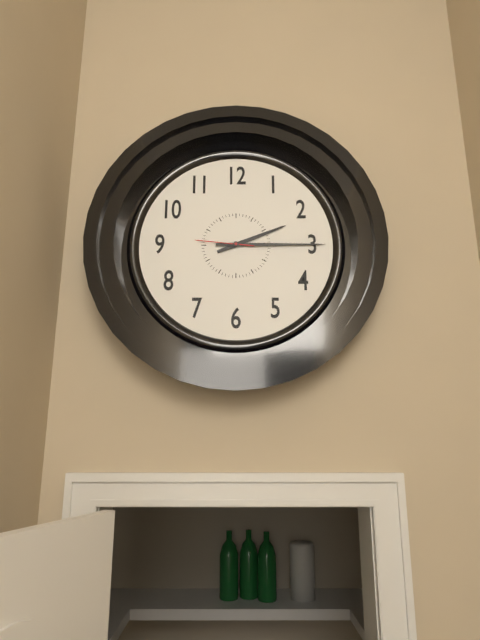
{"hour": 2, "minute": 15, "second": 46}
